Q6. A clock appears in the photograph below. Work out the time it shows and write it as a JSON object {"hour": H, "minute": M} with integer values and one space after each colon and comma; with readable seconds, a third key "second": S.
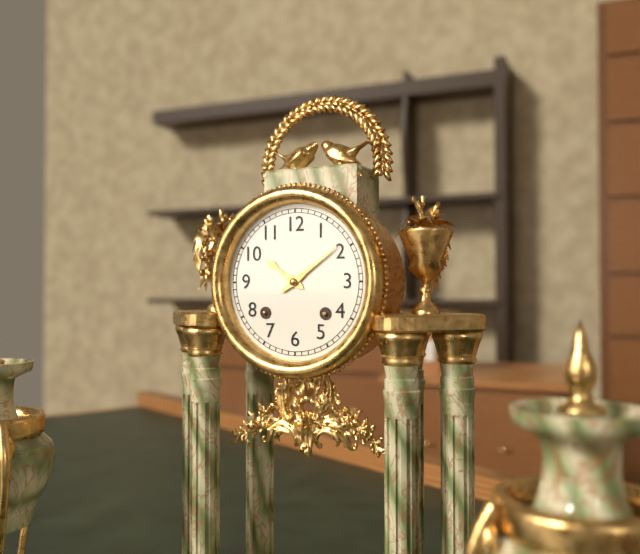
{"hour": 10, "minute": 9}
